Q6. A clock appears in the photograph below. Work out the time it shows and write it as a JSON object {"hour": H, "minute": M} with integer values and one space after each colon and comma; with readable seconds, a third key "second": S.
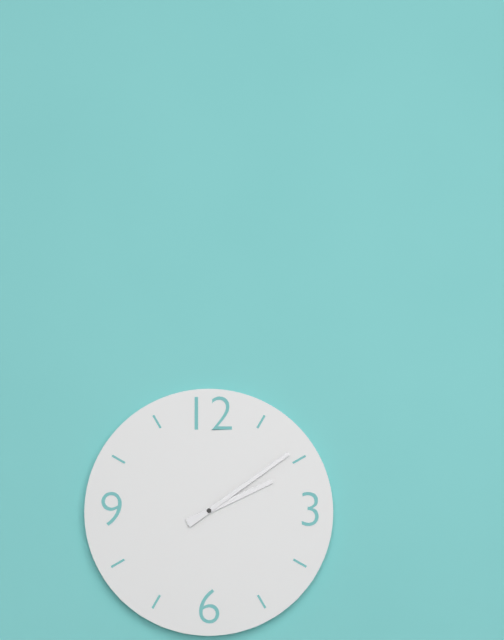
{"hour": 2, "minute": 9}
